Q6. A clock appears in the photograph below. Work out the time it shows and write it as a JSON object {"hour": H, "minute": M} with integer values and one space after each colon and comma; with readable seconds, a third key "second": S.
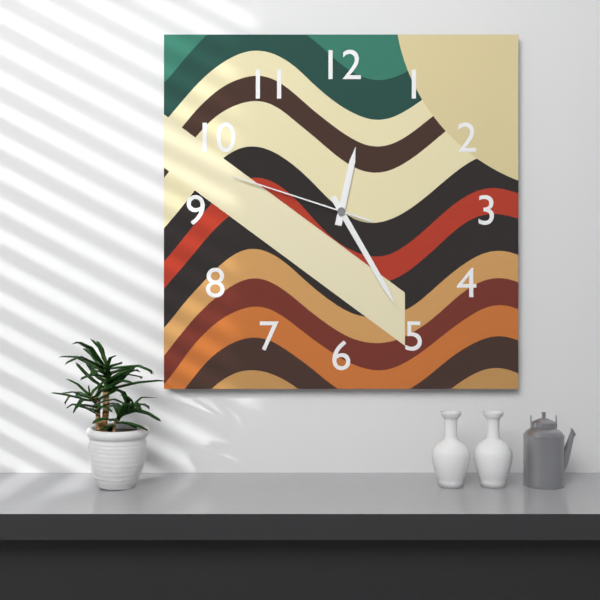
{"hour": 12, "minute": 25, "second": 48}
